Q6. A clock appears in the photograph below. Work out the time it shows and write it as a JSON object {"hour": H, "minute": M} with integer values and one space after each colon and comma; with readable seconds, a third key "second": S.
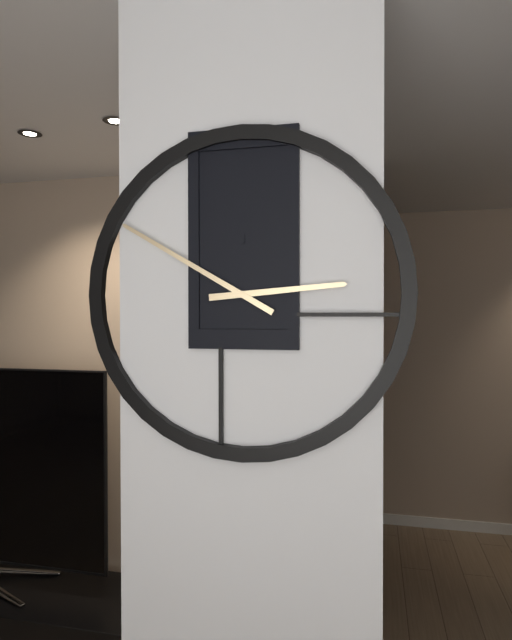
{"hour": 2, "minute": 50}
